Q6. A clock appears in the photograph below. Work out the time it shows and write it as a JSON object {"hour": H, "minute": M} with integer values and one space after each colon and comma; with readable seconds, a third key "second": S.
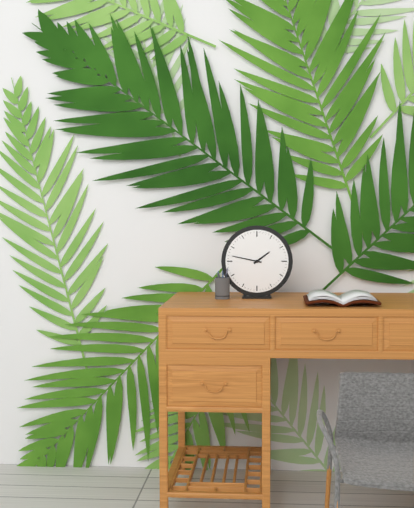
{"hour": 1, "minute": 47}
